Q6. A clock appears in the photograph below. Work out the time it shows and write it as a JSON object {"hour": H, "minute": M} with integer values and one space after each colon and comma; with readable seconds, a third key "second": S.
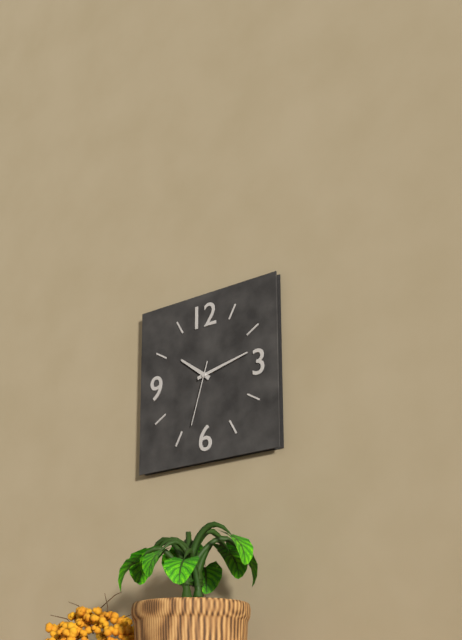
{"hour": 10, "minute": 13, "second": 33}
